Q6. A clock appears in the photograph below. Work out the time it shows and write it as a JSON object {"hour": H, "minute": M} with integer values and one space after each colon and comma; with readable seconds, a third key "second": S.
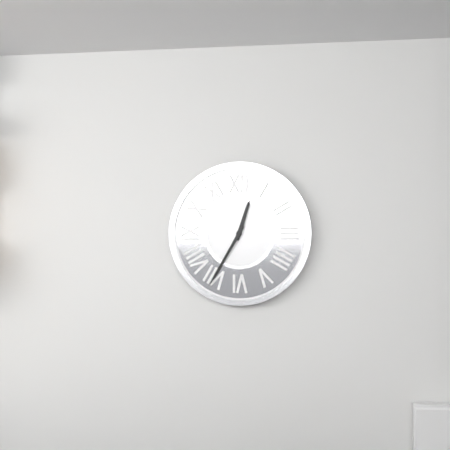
{"hour": 12, "minute": 35}
